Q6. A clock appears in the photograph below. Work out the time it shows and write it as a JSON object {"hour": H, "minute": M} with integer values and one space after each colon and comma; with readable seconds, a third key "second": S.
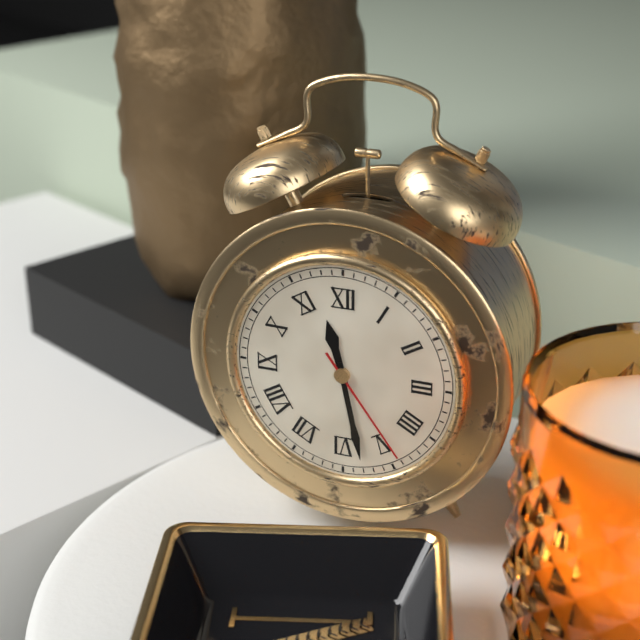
{"hour": 11, "minute": 28, "second": 24}
